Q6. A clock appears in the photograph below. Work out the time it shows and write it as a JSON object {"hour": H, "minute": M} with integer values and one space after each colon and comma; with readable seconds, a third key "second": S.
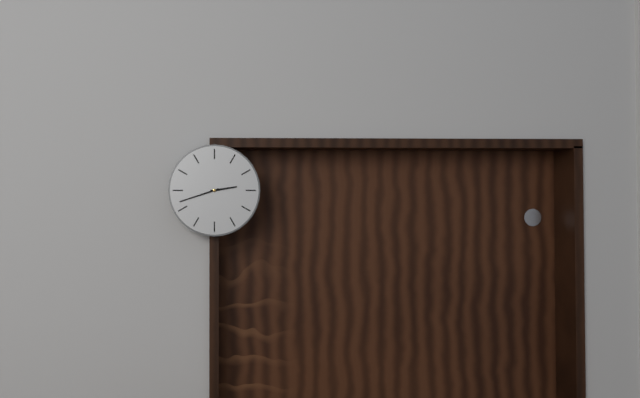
{"hour": 2, "minute": 42}
